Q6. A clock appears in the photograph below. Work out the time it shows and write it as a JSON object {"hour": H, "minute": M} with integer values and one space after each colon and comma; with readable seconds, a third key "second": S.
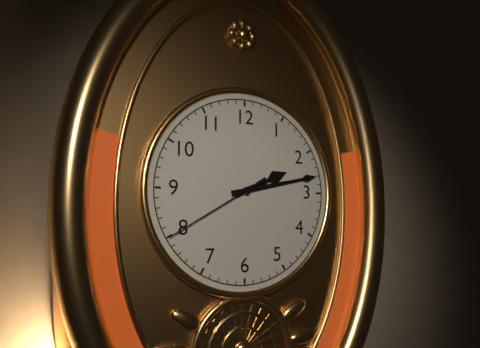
{"hour": 2, "minute": 13, "second": 40}
